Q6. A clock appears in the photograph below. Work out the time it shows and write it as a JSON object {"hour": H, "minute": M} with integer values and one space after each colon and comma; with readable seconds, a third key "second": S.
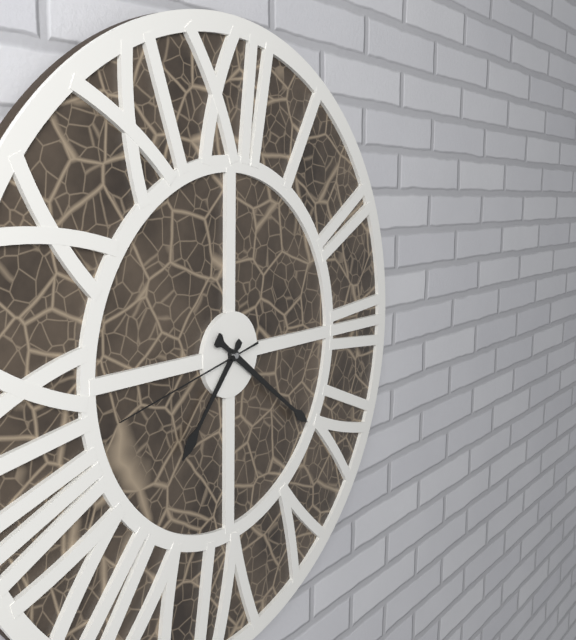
{"hour": 7, "minute": 21, "second": 43}
